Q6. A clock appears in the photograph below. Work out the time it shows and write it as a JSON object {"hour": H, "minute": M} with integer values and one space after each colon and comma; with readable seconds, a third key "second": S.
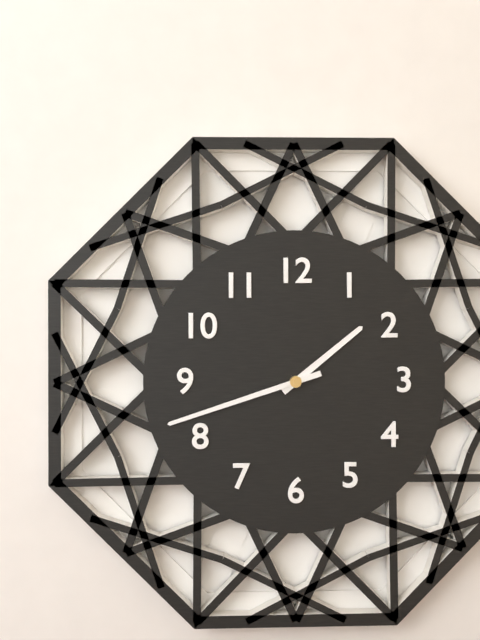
{"hour": 1, "minute": 42}
